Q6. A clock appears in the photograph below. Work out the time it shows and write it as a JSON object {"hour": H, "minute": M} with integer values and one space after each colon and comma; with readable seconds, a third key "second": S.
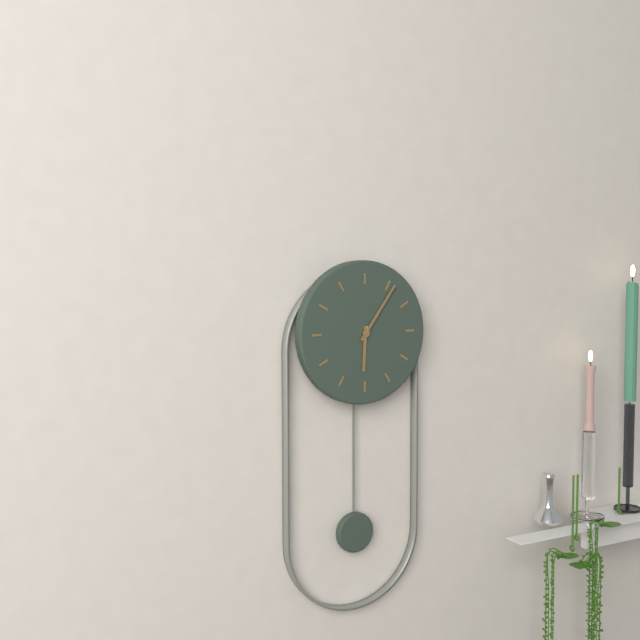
{"hour": 6, "minute": 6}
